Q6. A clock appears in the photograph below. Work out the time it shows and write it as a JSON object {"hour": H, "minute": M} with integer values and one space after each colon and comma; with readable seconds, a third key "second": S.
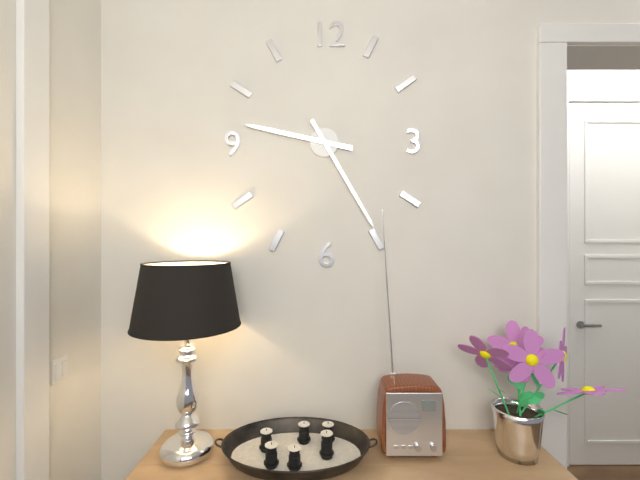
{"hour": 9, "minute": 25}
